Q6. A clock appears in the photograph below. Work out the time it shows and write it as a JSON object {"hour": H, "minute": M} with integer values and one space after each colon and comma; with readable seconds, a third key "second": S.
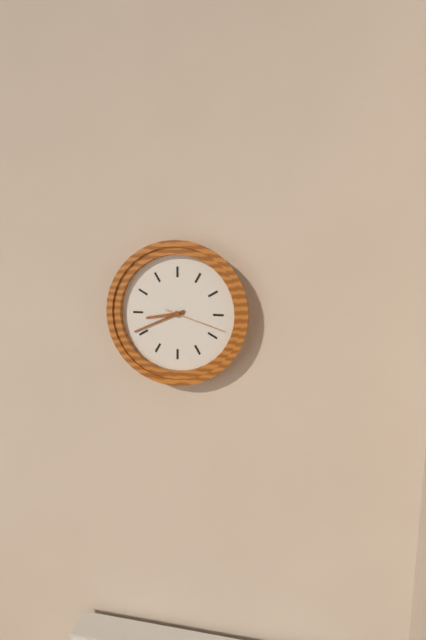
{"hour": 8, "minute": 41, "second": 18}
